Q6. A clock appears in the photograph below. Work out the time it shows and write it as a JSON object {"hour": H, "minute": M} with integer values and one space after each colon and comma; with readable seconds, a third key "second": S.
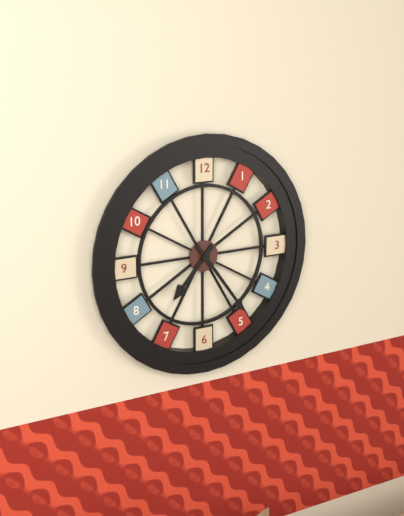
{"hour": 7, "minute": 24}
